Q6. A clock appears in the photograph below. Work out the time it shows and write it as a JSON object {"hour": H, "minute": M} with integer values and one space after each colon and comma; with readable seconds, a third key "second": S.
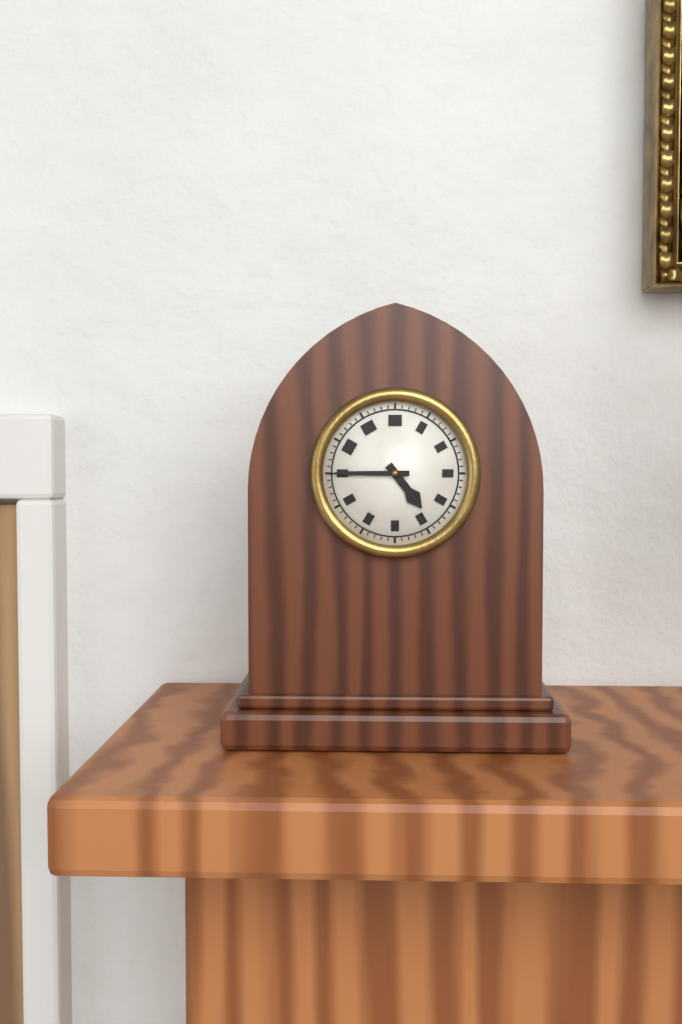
{"hour": 4, "minute": 45}
